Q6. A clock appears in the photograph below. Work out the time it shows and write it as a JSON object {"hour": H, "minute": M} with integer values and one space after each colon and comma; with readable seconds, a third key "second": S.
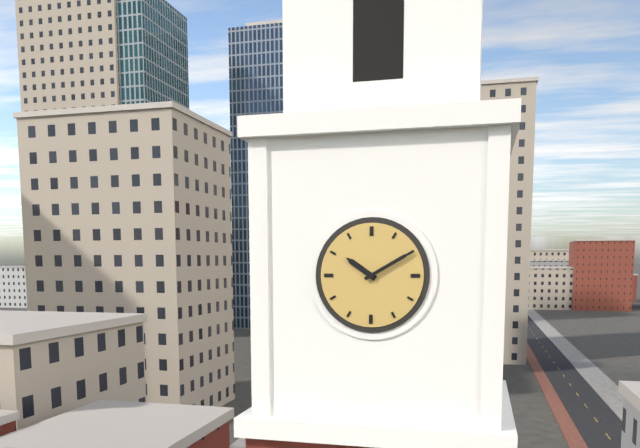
{"hour": 10, "minute": 10}
